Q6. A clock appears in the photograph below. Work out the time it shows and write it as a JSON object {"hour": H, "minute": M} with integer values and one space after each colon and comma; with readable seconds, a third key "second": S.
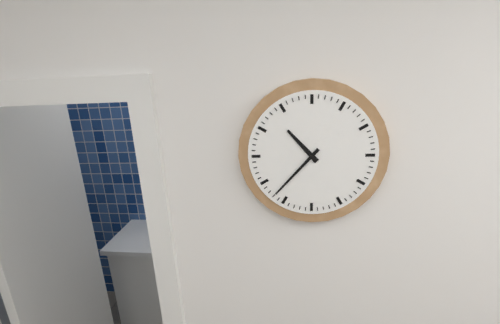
{"hour": 10, "minute": 37}
